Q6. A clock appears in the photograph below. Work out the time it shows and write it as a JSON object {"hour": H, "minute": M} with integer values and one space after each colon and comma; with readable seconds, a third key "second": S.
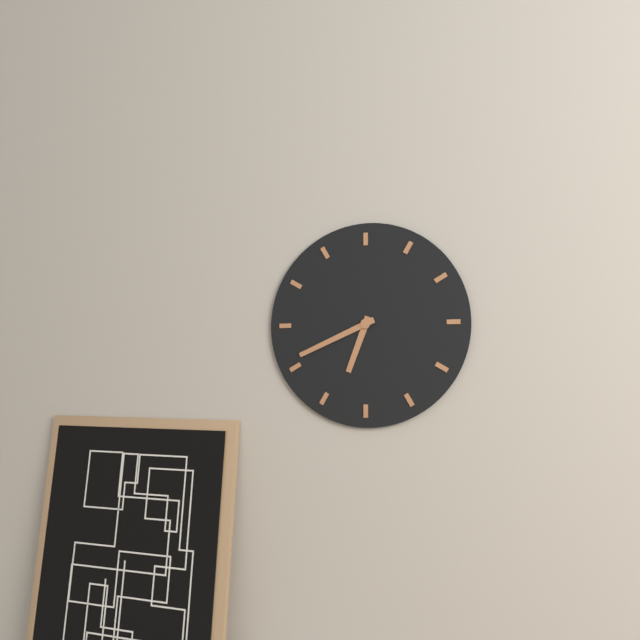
{"hour": 6, "minute": 41}
